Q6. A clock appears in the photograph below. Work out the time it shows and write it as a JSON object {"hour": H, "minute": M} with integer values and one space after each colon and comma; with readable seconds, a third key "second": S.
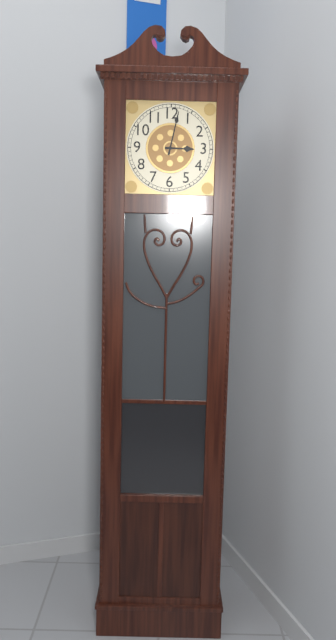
{"hour": 3, "minute": 2}
